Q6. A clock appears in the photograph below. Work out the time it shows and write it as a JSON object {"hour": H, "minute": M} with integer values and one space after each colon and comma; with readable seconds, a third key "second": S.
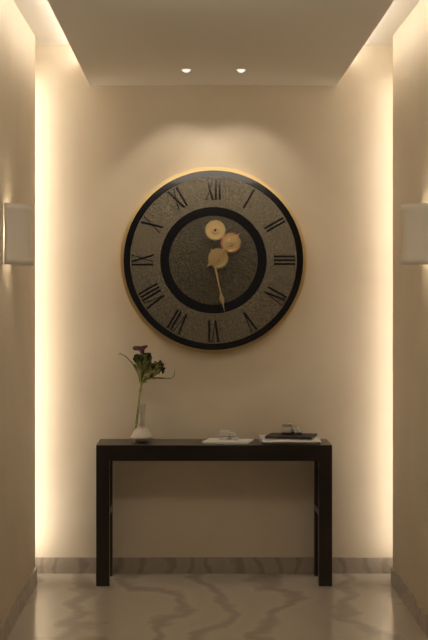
{"hour": 1, "minute": 28}
